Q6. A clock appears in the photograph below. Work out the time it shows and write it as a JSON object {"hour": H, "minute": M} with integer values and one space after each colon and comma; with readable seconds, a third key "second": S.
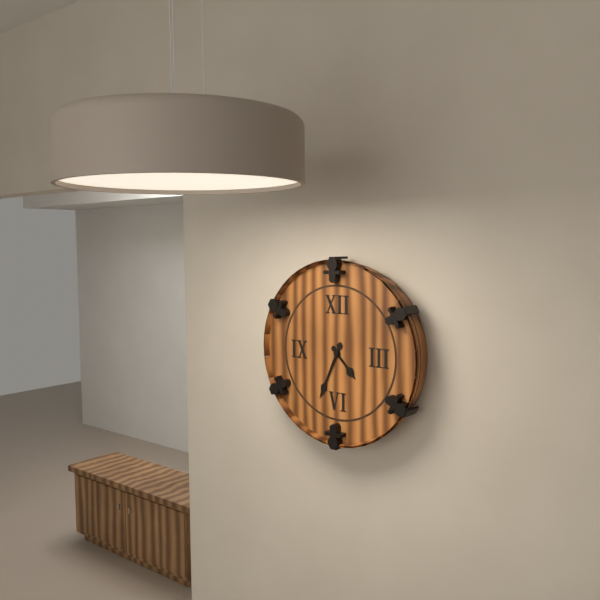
{"hour": 4, "minute": 34}
